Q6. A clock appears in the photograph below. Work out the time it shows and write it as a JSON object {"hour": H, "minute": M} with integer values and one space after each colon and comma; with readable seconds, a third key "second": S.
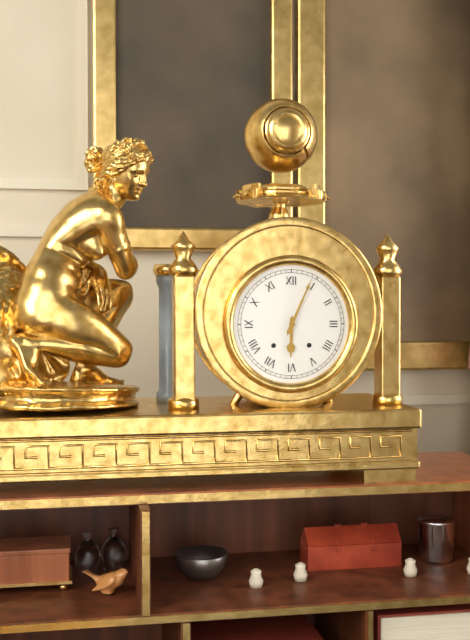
{"hour": 6, "minute": 4}
